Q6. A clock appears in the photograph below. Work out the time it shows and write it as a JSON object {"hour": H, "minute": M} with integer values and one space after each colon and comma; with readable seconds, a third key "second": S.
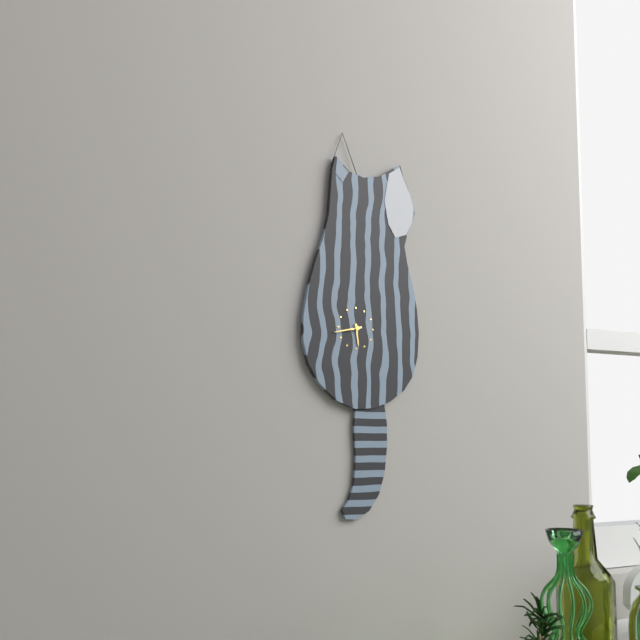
{"hour": 5, "minute": 43}
